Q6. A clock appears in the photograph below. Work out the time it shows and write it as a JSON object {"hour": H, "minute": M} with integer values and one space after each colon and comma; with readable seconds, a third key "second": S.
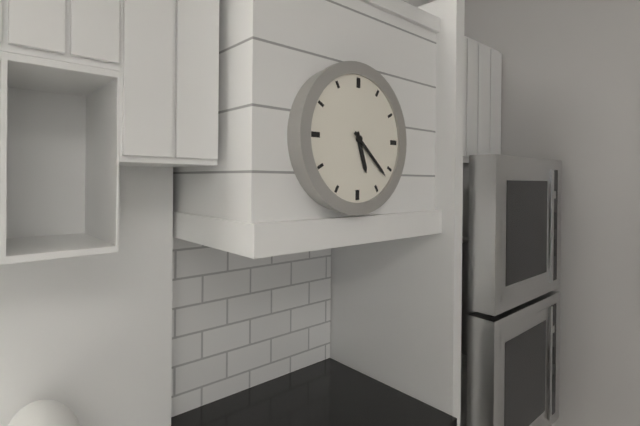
{"hour": 5, "minute": 22}
